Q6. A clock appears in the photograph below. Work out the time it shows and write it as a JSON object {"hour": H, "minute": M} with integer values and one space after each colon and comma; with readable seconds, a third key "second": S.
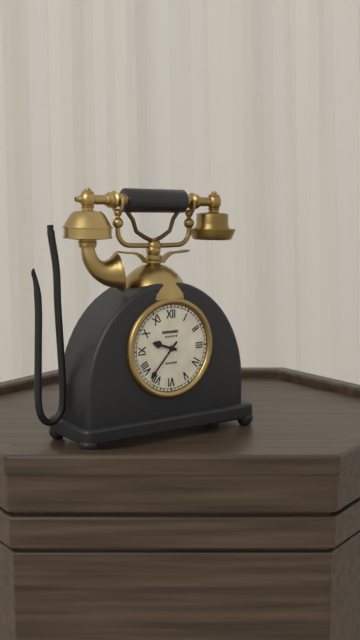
{"hour": 9, "minute": 37}
